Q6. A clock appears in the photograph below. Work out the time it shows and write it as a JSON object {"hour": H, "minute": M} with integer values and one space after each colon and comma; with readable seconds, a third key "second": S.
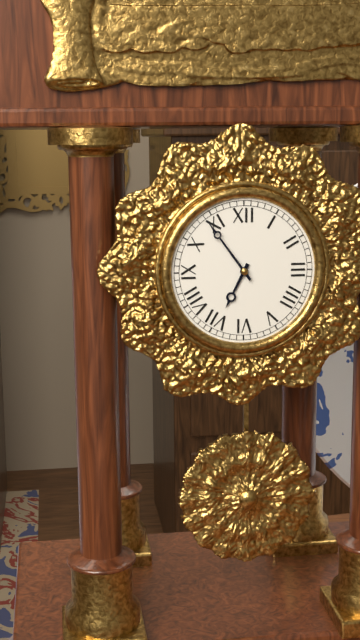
{"hour": 6, "minute": 54}
